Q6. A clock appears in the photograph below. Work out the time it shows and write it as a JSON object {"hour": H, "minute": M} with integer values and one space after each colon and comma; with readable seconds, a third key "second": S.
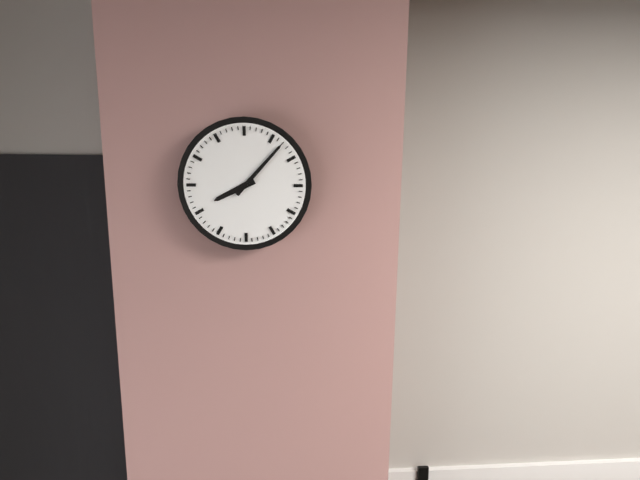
{"hour": 8, "minute": 7}
